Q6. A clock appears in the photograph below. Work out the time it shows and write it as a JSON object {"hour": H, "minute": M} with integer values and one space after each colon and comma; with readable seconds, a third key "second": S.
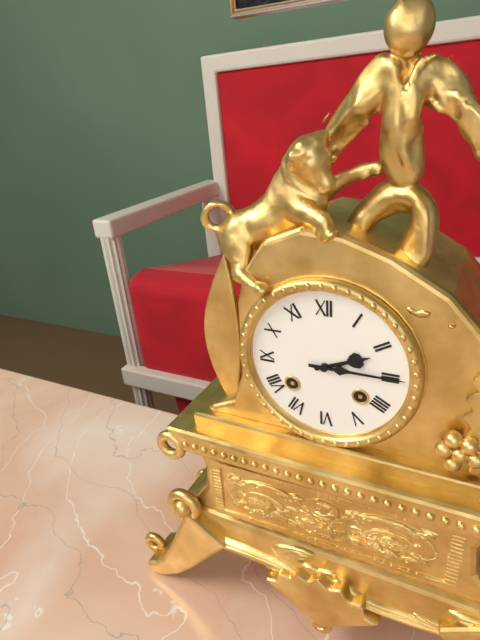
{"hour": 2, "minute": 15}
